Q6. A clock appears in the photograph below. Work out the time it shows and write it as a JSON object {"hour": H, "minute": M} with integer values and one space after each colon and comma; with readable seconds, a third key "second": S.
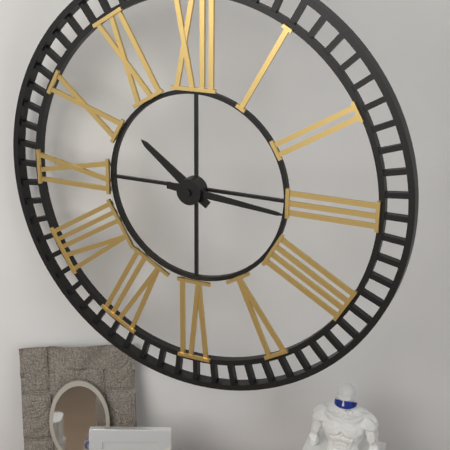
{"hour": 10, "minute": 16}
